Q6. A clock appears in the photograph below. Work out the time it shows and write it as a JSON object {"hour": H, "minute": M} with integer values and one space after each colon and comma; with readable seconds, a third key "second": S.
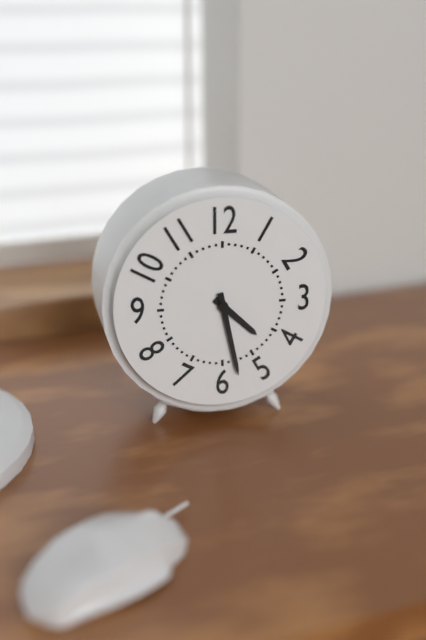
{"hour": 4, "minute": 28}
